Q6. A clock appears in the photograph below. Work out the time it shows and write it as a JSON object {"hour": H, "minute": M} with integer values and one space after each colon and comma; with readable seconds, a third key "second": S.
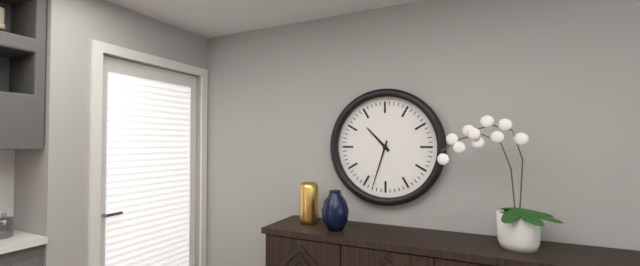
{"hour": 10, "minute": 33}
